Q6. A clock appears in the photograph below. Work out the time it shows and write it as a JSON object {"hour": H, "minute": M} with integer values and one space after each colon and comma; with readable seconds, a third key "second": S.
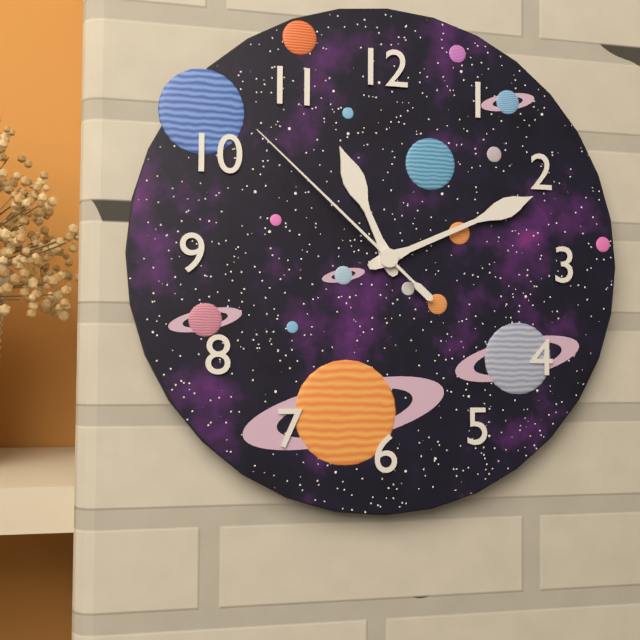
{"hour": 11, "minute": 11, "second": 52}
